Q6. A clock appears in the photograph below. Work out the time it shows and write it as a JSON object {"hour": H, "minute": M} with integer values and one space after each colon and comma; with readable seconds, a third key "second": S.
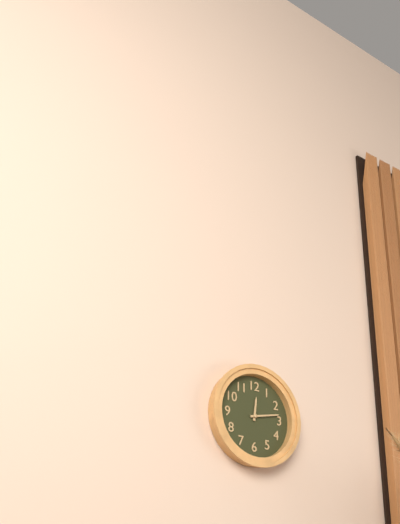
{"hour": 12, "minute": 13}
